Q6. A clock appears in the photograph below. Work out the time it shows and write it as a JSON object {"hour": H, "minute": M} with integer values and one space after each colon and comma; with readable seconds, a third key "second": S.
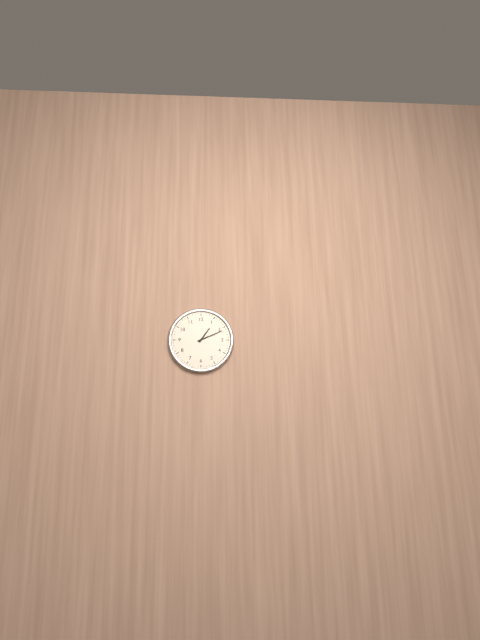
{"hour": 1, "minute": 11}
